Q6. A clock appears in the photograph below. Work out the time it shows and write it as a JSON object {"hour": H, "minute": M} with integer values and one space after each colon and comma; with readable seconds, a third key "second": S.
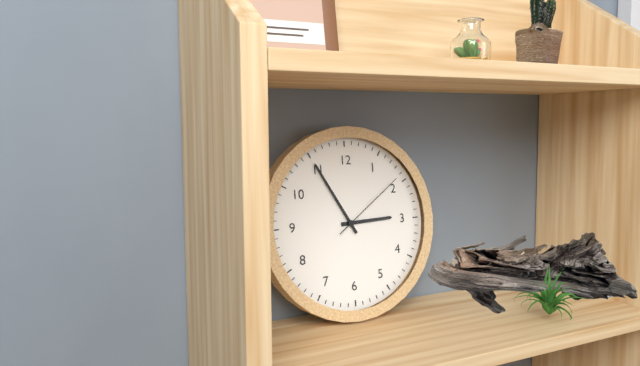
{"hour": 2, "minute": 55, "second": 9}
